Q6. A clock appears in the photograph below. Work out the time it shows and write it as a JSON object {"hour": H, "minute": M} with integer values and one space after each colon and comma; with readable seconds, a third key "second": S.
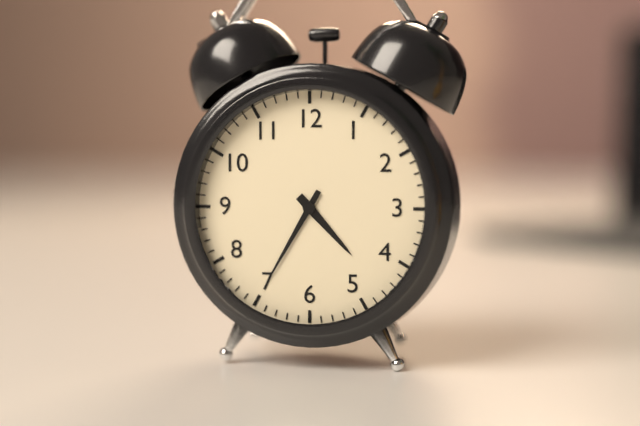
{"hour": 4, "minute": 35}
